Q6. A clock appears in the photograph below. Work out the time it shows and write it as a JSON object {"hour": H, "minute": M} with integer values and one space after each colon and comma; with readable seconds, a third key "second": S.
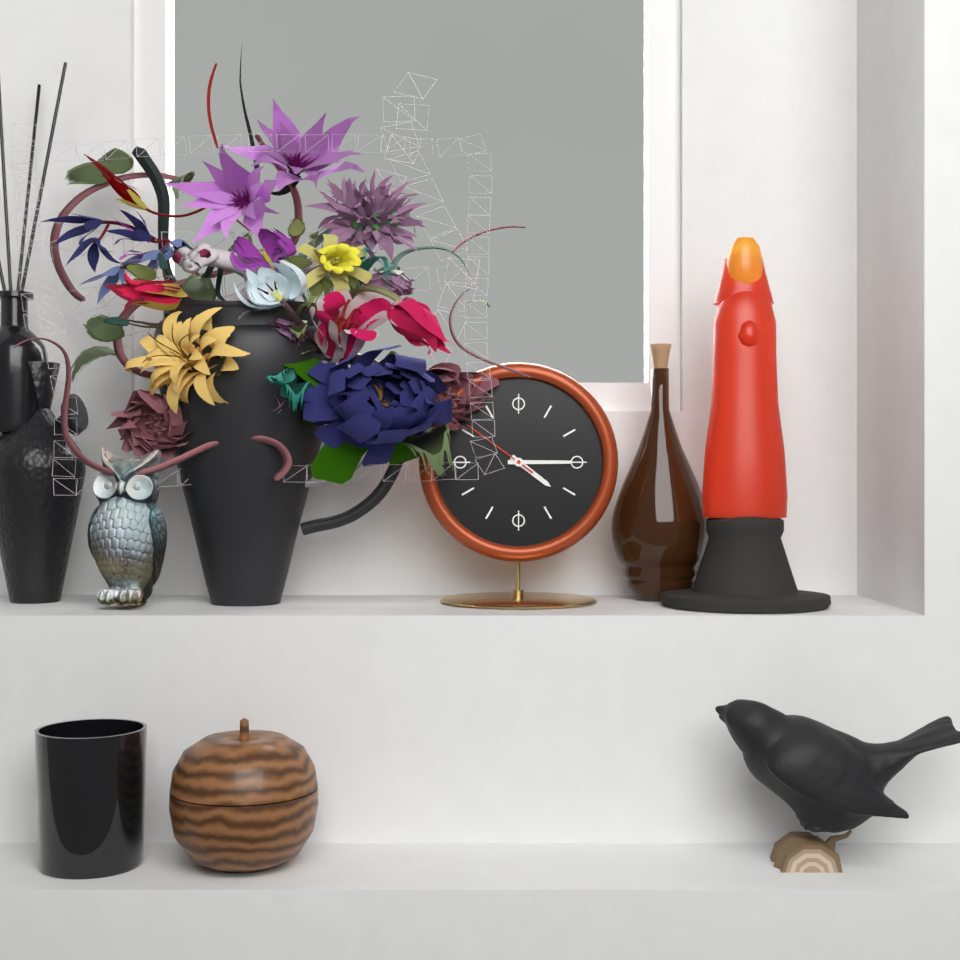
{"hour": 4, "minute": 15, "second": 51}
